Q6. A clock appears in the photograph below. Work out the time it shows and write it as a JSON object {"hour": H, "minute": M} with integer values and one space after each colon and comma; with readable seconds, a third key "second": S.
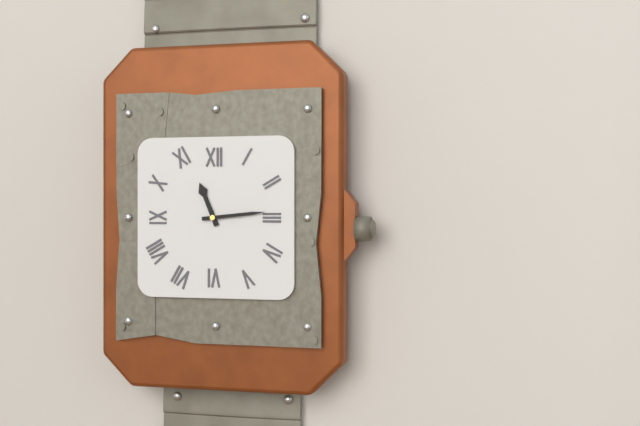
{"hour": 11, "minute": 14}
